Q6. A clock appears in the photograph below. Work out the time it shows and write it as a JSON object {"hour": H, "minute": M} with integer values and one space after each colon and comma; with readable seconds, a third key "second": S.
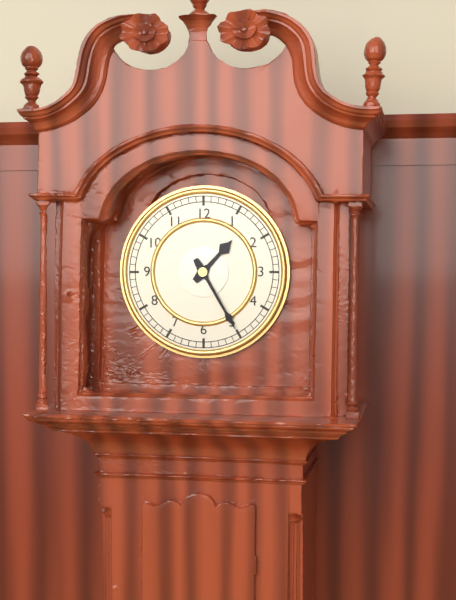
{"hour": 1, "minute": 25}
